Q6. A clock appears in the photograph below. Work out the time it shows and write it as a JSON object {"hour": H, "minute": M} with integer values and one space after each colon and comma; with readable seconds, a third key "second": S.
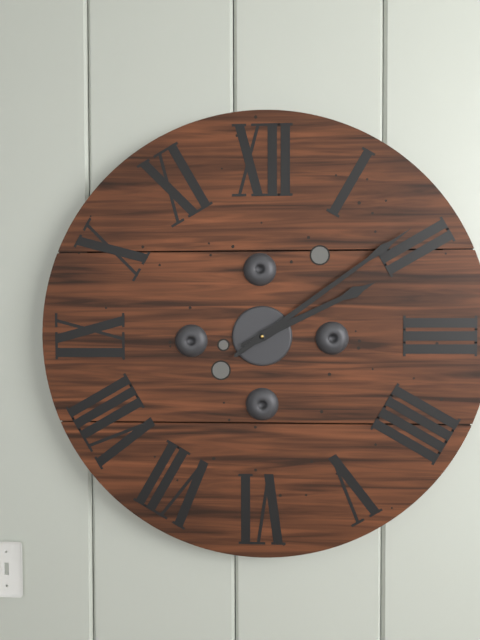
{"hour": 2, "minute": 9}
